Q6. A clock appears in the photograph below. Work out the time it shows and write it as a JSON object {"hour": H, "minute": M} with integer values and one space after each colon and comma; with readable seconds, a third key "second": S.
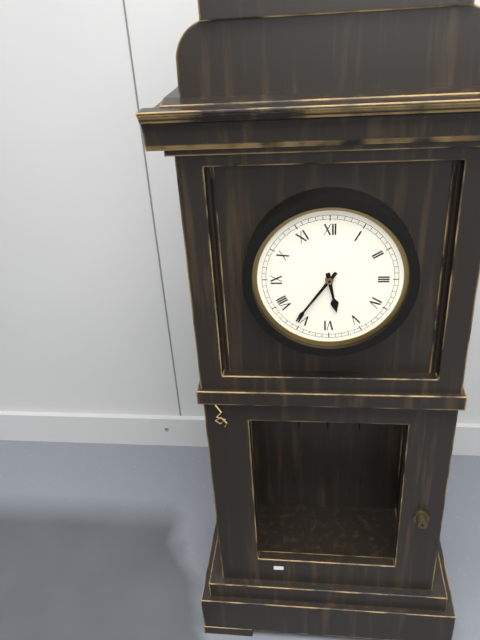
{"hour": 5, "minute": 36}
